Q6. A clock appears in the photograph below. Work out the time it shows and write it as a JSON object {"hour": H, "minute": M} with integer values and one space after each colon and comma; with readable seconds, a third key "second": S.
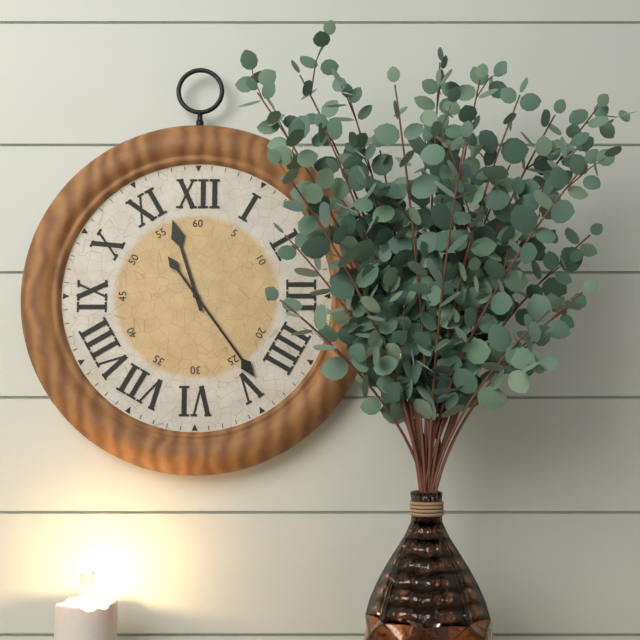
{"hour": 11, "minute": 24}
